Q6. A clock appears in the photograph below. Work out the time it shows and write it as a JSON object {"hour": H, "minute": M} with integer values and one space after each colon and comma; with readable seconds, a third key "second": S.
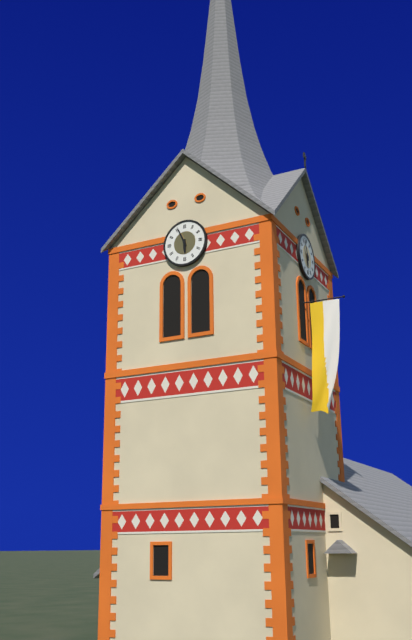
{"hour": 5, "minute": 56}
